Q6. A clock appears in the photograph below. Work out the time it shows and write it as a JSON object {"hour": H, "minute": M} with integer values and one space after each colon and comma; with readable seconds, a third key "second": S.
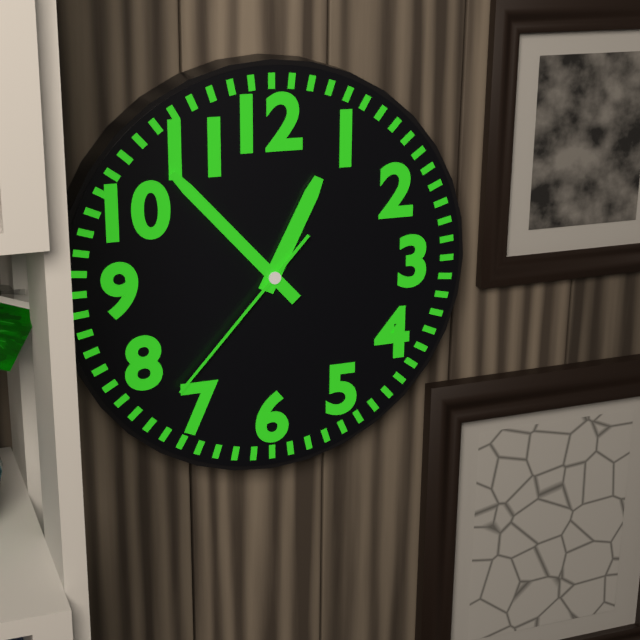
{"hour": 12, "minute": 53, "second": 37}
